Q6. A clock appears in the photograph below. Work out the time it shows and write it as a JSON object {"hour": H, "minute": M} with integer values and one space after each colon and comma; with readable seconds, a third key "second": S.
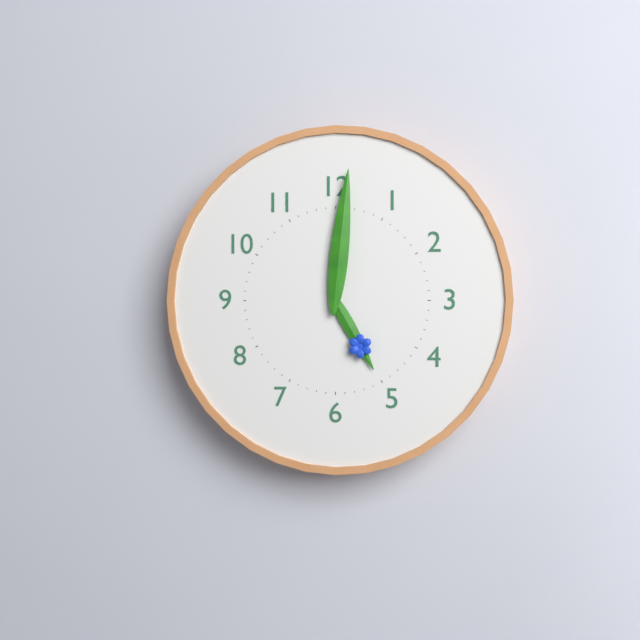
{"hour": 5, "minute": 1}
